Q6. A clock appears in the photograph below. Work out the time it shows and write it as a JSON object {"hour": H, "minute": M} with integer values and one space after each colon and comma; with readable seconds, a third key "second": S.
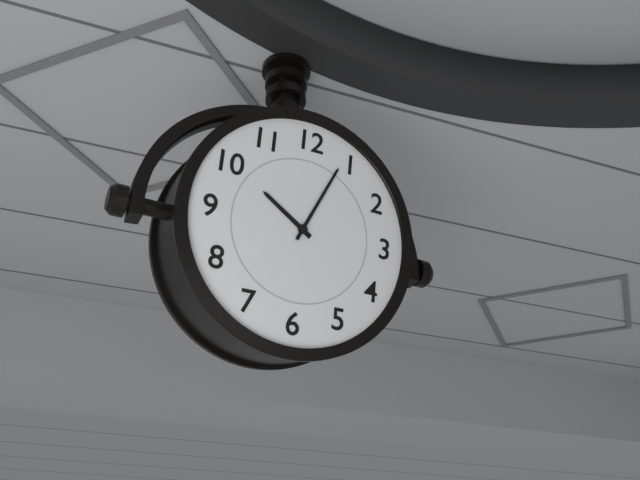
{"hour": 10, "minute": 4}
